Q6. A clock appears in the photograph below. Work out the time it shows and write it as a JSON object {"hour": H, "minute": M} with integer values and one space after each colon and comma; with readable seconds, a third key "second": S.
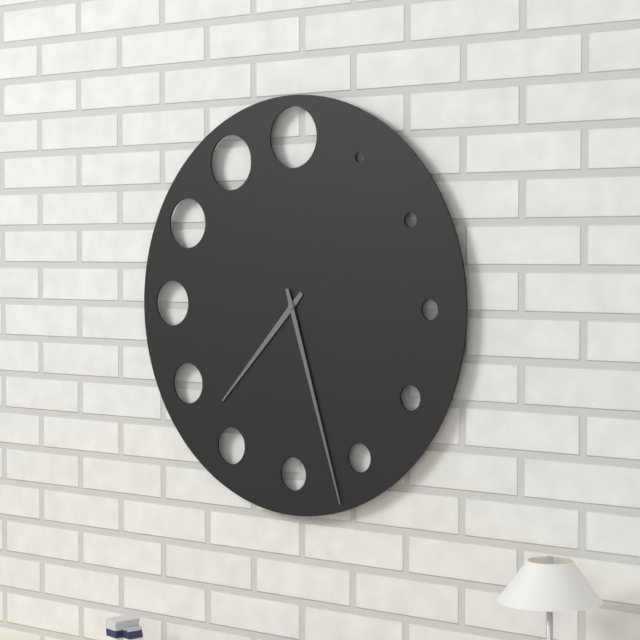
{"hour": 7, "minute": 27}
